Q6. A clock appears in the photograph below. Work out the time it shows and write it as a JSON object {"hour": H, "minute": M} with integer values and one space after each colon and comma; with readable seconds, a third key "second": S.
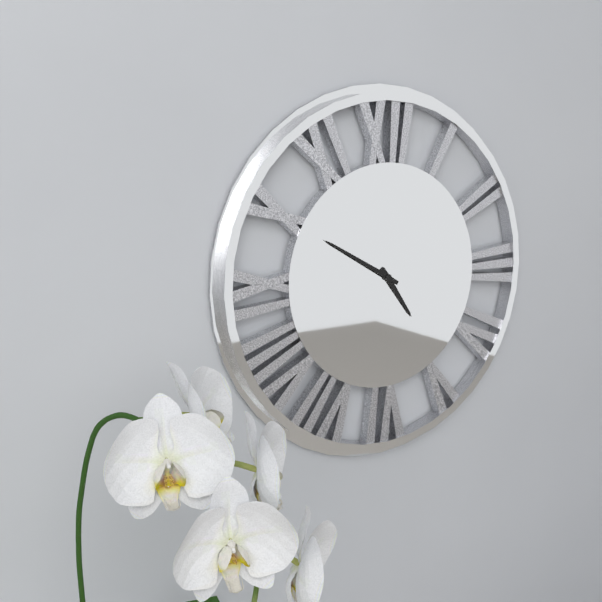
{"hour": 4, "minute": 50}
